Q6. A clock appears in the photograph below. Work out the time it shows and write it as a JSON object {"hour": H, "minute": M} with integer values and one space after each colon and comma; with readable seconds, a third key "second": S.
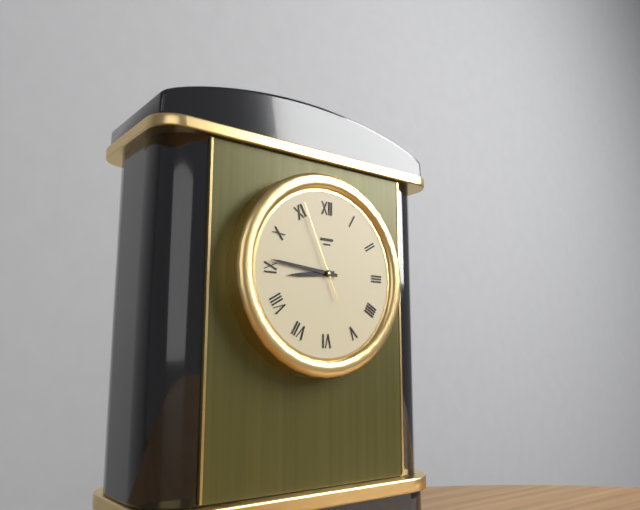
{"hour": 8, "minute": 46, "second": 56}
